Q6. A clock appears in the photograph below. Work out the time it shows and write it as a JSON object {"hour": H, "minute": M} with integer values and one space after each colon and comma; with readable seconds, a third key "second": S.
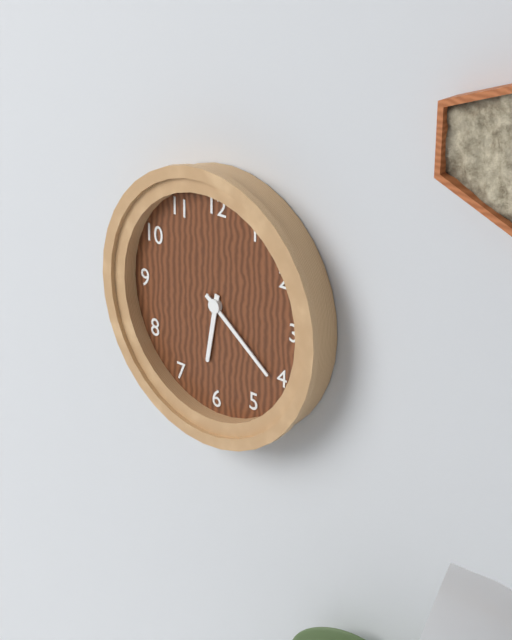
{"hour": 6, "minute": 21}
